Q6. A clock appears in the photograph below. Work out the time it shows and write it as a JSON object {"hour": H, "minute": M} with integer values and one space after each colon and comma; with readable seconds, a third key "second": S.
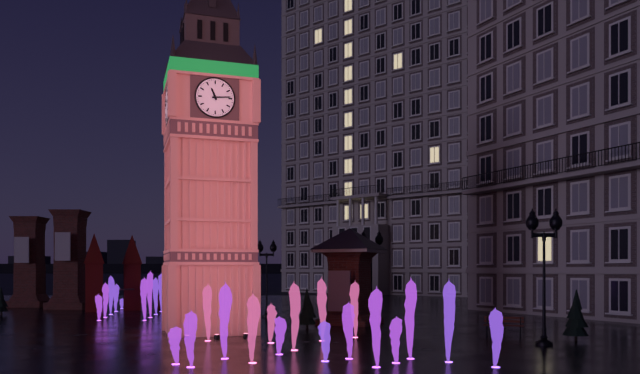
{"hour": 11, "minute": 14}
